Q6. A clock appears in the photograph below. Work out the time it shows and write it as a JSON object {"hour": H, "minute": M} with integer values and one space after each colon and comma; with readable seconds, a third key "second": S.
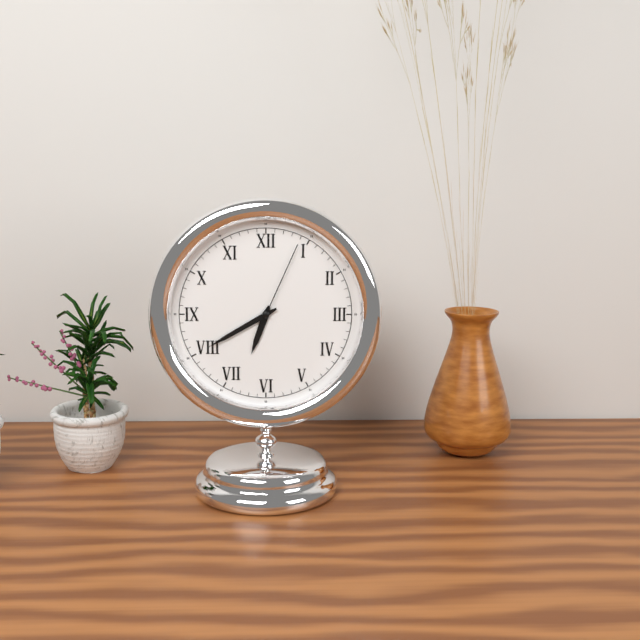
{"hour": 6, "minute": 40, "second": 4}
